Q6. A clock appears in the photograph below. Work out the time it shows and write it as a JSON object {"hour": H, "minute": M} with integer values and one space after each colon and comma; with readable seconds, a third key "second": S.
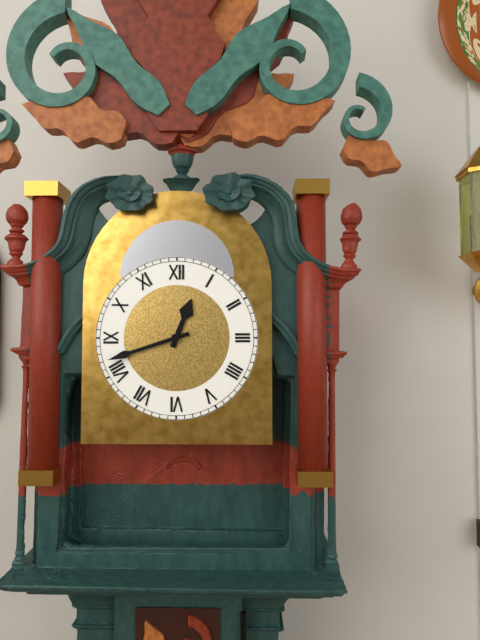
{"hour": 12, "minute": 42}
